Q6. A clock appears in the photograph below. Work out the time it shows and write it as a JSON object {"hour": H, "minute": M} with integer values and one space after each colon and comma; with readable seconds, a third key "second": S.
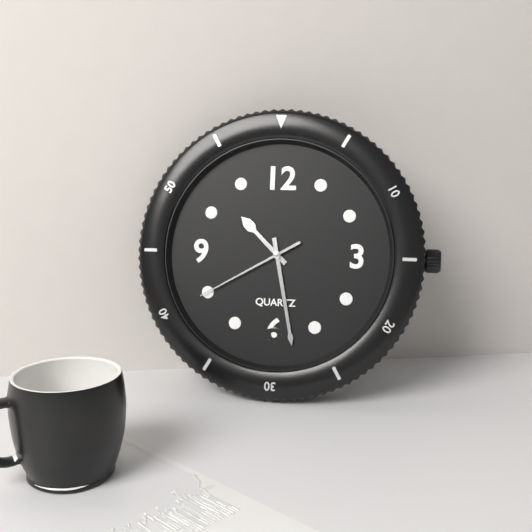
{"hour": 10, "minute": 28, "second": 40}
